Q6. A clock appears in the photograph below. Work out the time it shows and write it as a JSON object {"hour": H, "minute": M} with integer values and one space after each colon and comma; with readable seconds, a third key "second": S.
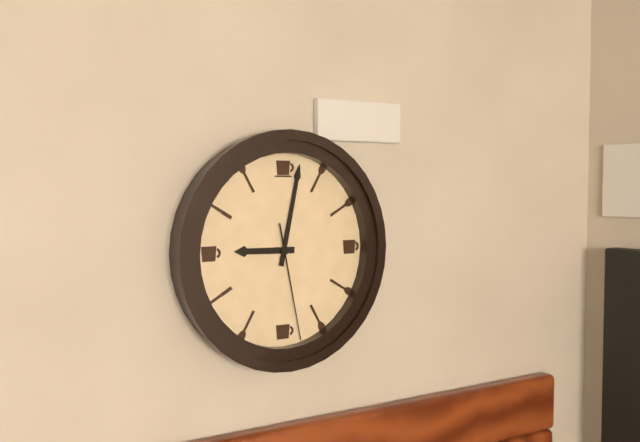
{"hour": 9, "minute": 2, "second": 28}
